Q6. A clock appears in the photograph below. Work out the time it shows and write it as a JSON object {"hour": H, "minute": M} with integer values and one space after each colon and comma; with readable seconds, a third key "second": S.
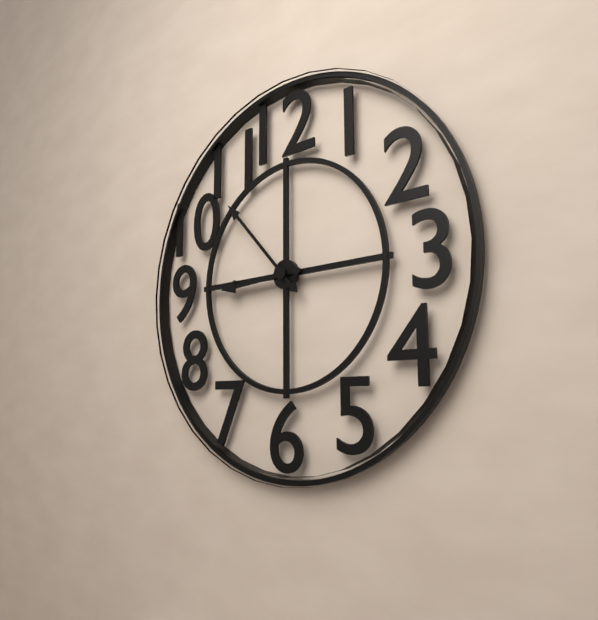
{"hour": 8, "minute": 53}
